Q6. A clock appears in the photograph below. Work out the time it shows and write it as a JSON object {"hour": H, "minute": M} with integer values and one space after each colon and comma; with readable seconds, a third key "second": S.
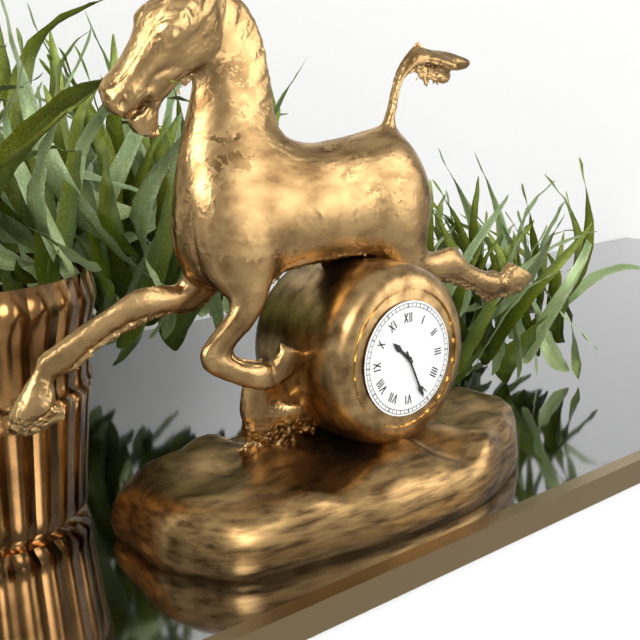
{"hour": 10, "minute": 26}
